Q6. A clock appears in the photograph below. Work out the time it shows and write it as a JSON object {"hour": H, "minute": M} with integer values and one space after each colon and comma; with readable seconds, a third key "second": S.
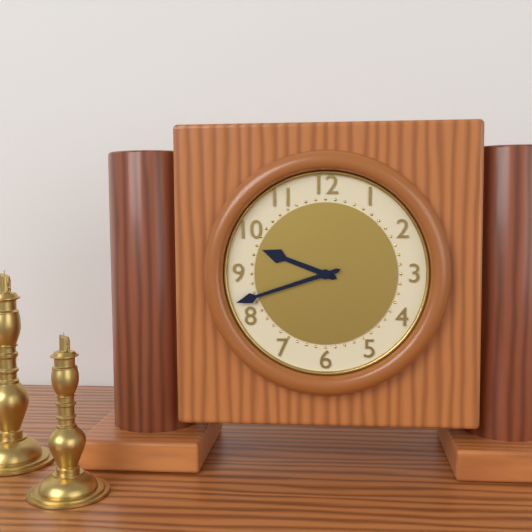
{"hour": 9, "minute": 42}
